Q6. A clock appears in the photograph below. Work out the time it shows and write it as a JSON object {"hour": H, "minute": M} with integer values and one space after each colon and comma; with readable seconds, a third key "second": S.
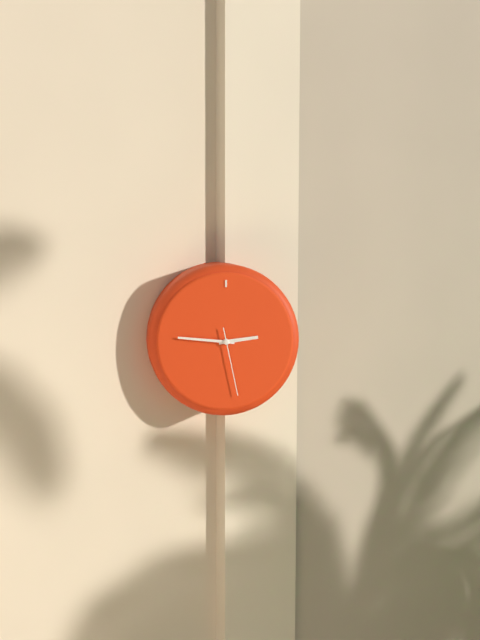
{"hour": 2, "minute": 46, "second": 28}
